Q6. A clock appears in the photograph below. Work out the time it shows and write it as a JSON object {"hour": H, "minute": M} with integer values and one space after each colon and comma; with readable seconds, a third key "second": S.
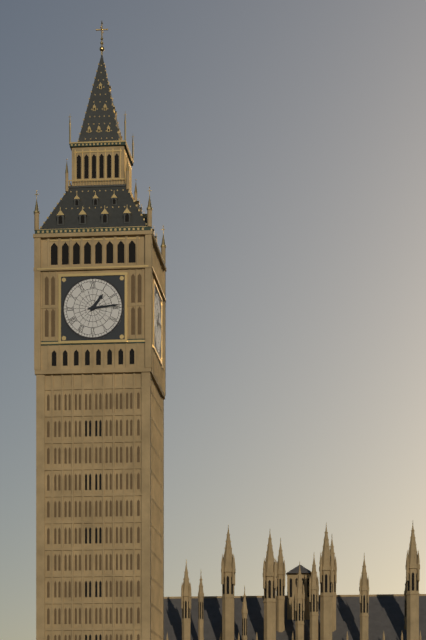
{"hour": 1, "minute": 14}
